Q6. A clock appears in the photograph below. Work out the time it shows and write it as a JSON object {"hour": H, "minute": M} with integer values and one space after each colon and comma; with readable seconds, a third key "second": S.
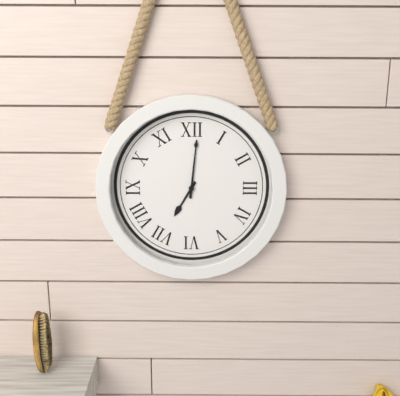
{"hour": 7, "minute": 1}
